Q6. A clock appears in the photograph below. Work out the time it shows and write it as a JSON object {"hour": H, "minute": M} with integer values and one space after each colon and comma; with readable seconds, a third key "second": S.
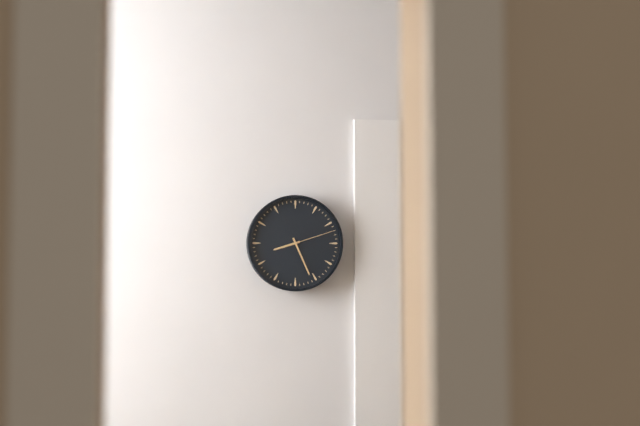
{"hour": 8, "minute": 26}
